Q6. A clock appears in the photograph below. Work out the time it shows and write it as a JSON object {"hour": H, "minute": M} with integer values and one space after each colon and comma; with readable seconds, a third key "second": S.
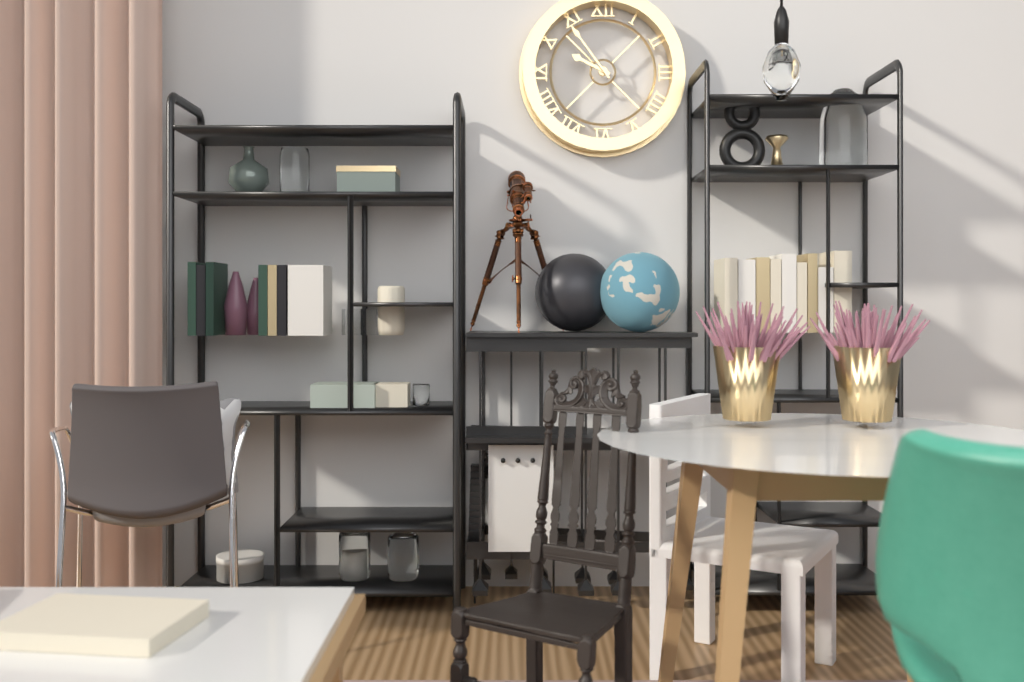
{"hour": 9, "minute": 54}
